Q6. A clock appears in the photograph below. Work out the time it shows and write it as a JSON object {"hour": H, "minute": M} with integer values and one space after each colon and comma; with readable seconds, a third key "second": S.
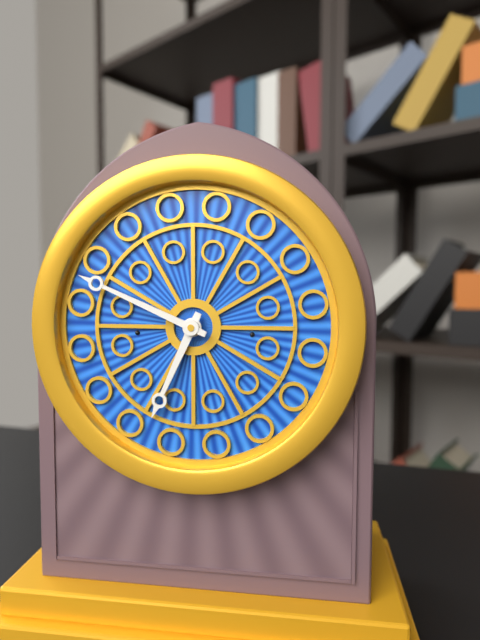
{"hour": 6, "minute": 49}
